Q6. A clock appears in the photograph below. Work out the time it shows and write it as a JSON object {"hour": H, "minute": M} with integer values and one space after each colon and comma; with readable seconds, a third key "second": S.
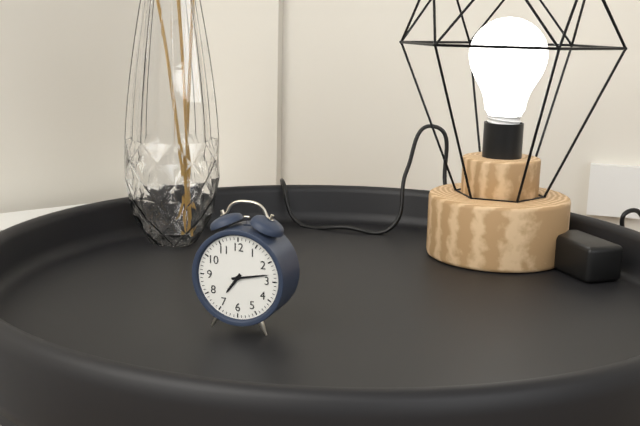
{"hour": 7, "minute": 13}
